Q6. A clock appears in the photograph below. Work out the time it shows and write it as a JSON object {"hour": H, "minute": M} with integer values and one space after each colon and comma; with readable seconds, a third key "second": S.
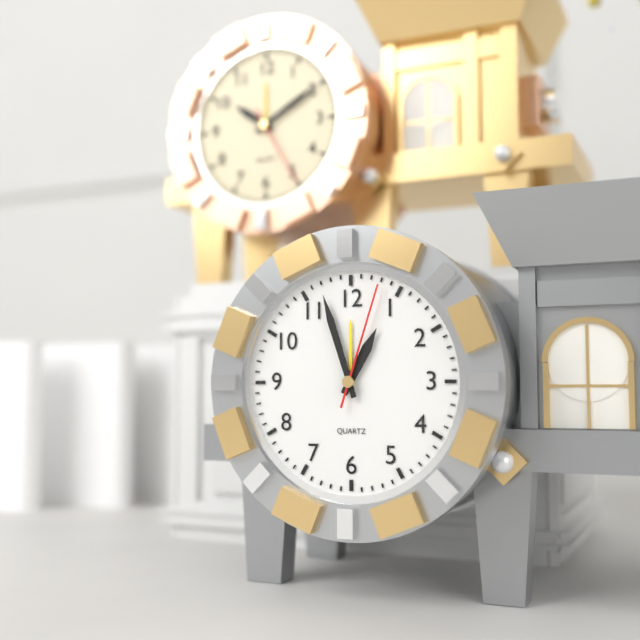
{"hour": 12, "minute": 57, "second": 3}
